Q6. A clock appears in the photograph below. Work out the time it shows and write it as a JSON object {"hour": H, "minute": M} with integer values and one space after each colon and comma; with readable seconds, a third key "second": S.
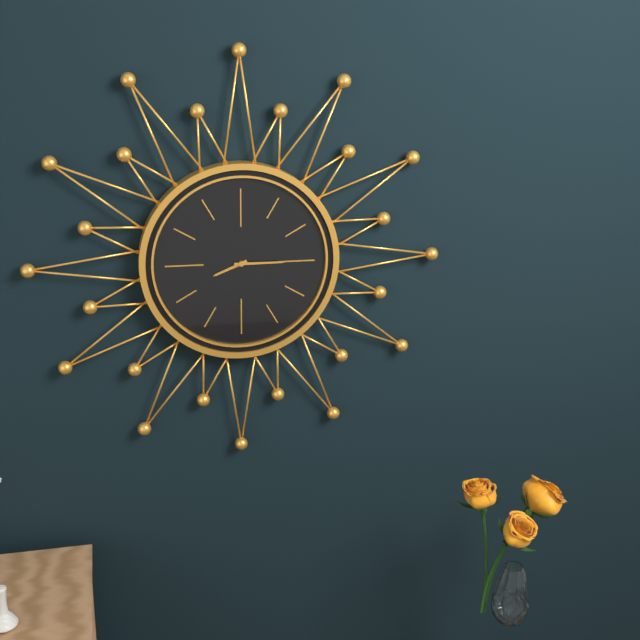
{"hour": 8, "minute": 15}
